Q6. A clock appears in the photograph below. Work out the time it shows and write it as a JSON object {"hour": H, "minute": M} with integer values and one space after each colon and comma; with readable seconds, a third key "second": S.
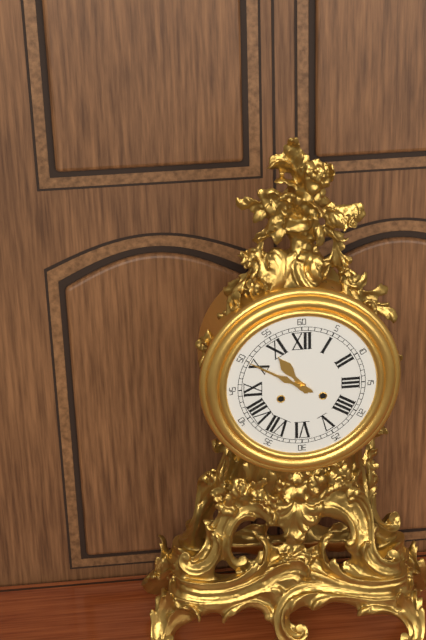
{"hour": 10, "minute": 50}
